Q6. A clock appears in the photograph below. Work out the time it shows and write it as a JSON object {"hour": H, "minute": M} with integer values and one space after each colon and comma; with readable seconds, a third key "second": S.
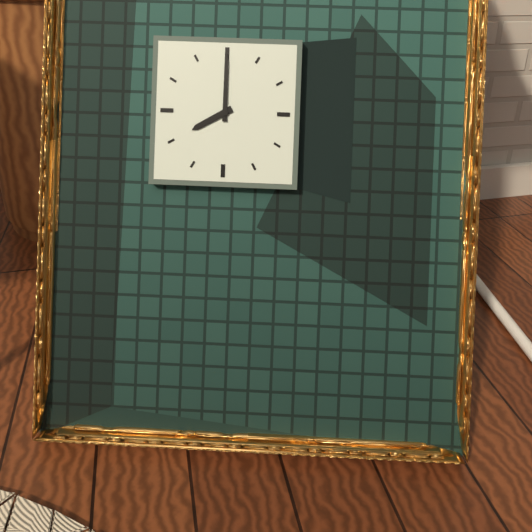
{"hour": 8, "minute": 0}
